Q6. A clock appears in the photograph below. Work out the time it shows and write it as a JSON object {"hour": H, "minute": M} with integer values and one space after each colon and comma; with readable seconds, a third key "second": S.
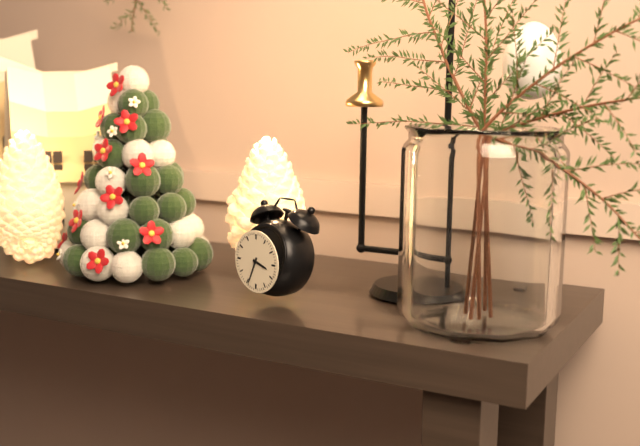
{"hour": 3, "minute": 34}
